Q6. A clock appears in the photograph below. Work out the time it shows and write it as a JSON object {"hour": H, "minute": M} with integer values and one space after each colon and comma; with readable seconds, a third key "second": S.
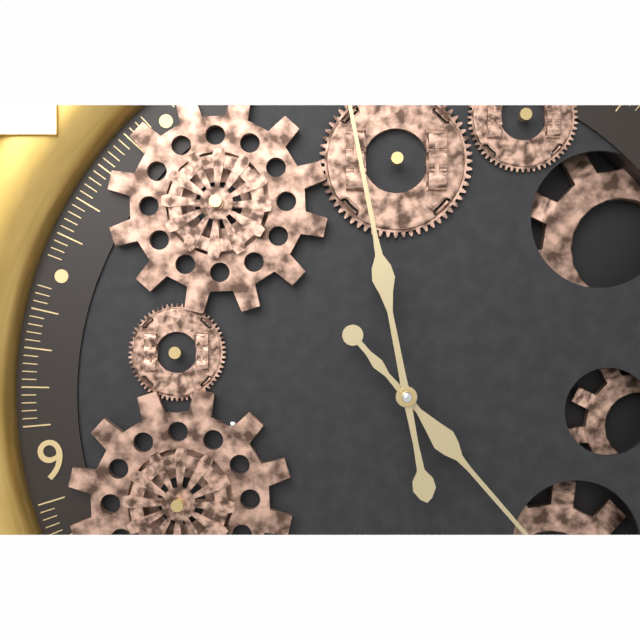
{"hour": 5, "minute": 0}
